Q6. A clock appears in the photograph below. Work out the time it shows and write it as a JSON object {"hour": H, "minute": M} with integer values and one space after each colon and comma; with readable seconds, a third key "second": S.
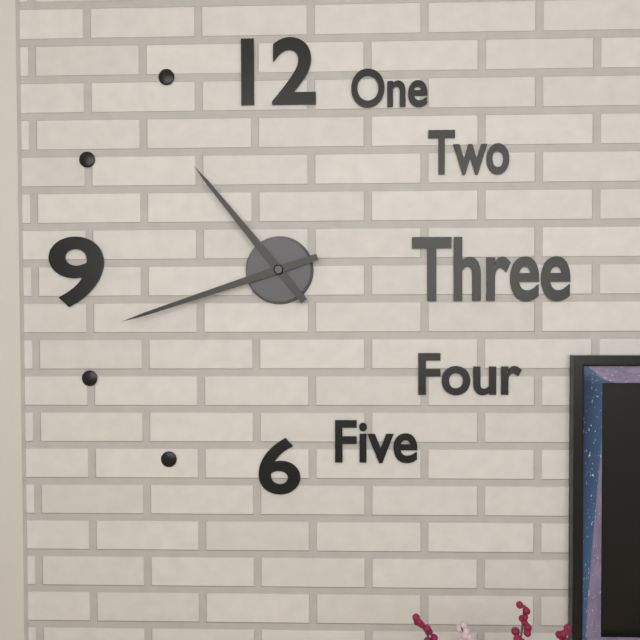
{"hour": 10, "minute": 42}
